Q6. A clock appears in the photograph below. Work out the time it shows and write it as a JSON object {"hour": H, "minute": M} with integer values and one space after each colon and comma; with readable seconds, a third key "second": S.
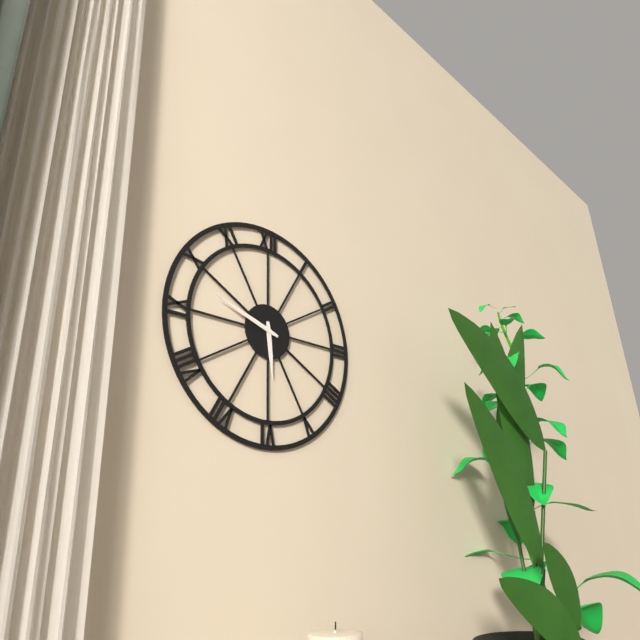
{"hour": 5, "minute": 48}
